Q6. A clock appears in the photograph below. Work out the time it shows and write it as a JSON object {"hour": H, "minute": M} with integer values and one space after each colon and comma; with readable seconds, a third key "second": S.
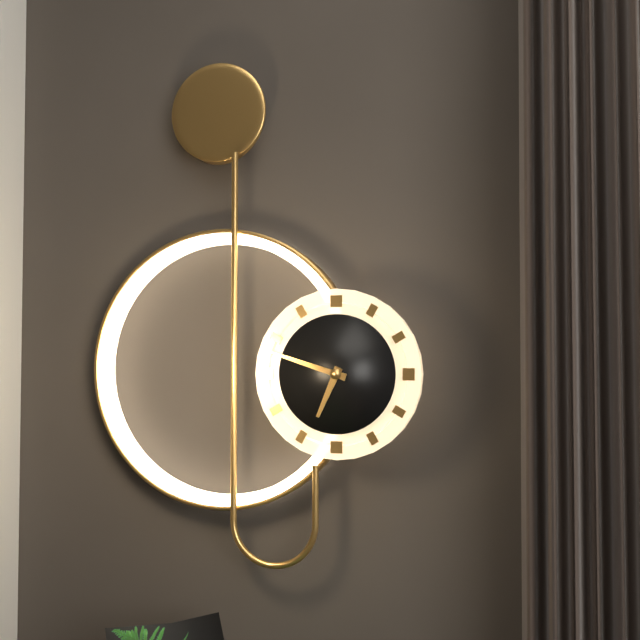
{"hour": 6, "minute": 48}
